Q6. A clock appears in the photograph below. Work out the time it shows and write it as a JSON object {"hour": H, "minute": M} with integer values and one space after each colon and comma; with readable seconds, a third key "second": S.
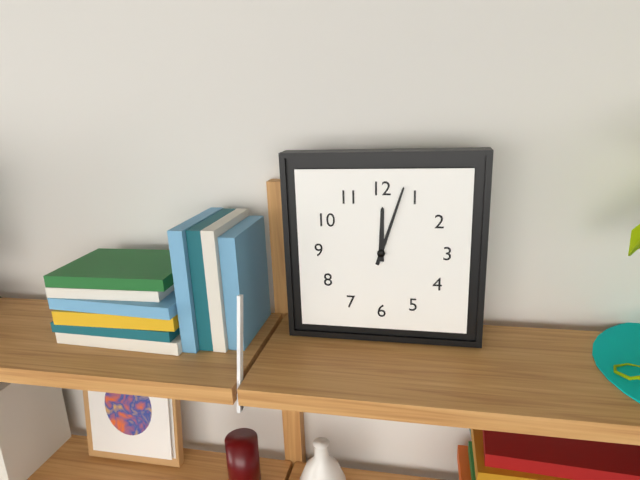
{"hour": 12, "minute": 3}
